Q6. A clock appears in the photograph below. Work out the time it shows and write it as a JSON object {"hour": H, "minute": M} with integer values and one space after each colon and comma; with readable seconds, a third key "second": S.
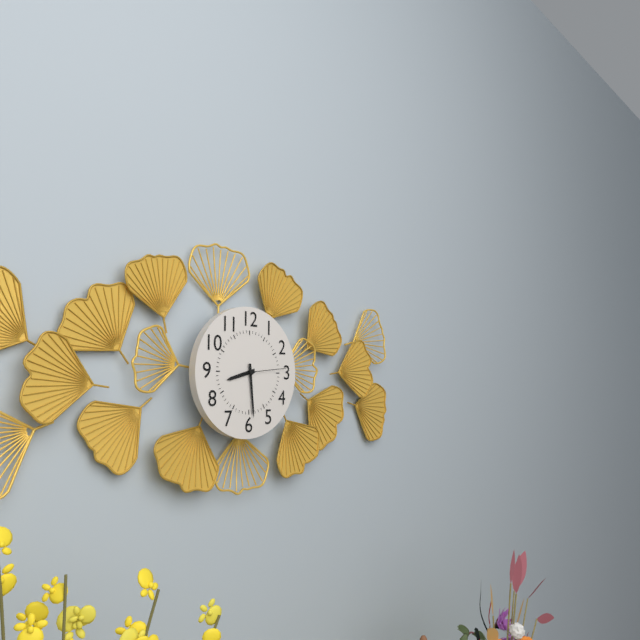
{"hour": 8, "minute": 29}
